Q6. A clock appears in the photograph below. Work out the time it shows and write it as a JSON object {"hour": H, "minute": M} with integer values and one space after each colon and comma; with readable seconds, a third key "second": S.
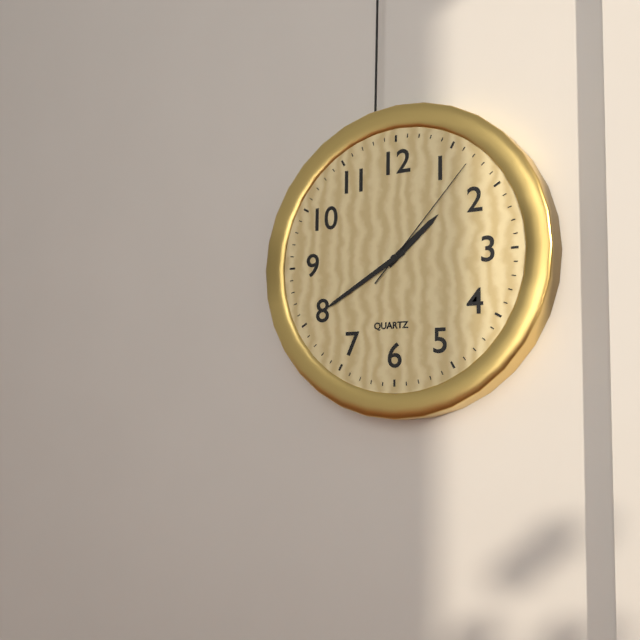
{"hour": 1, "minute": 40, "second": 7}
